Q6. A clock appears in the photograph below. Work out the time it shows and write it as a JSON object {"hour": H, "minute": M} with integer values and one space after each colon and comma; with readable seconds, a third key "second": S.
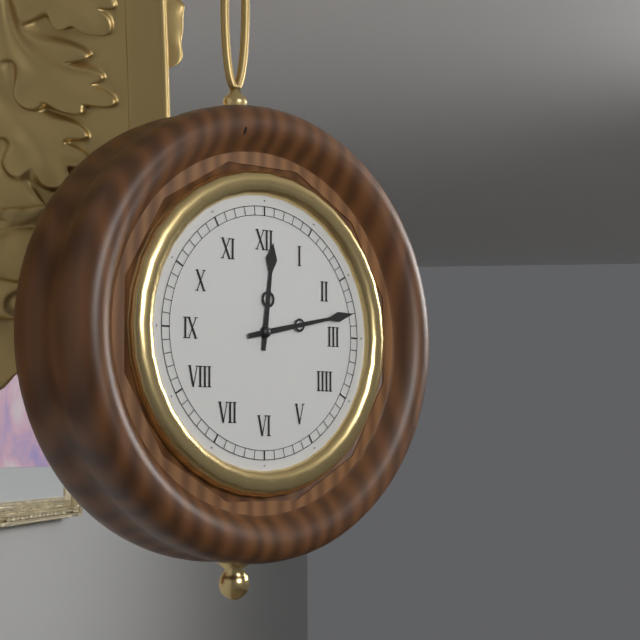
{"hour": 12, "minute": 13}
